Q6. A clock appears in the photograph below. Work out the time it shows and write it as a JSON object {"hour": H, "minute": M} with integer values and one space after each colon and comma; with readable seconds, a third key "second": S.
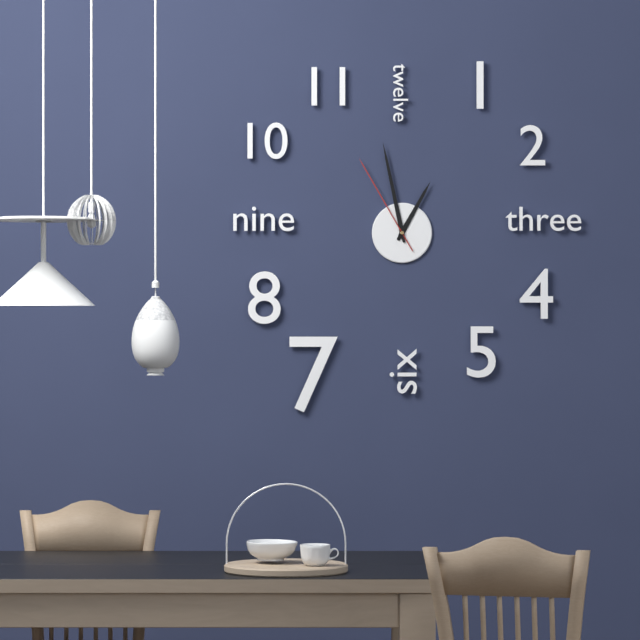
{"hour": 12, "minute": 58, "second": 55}
